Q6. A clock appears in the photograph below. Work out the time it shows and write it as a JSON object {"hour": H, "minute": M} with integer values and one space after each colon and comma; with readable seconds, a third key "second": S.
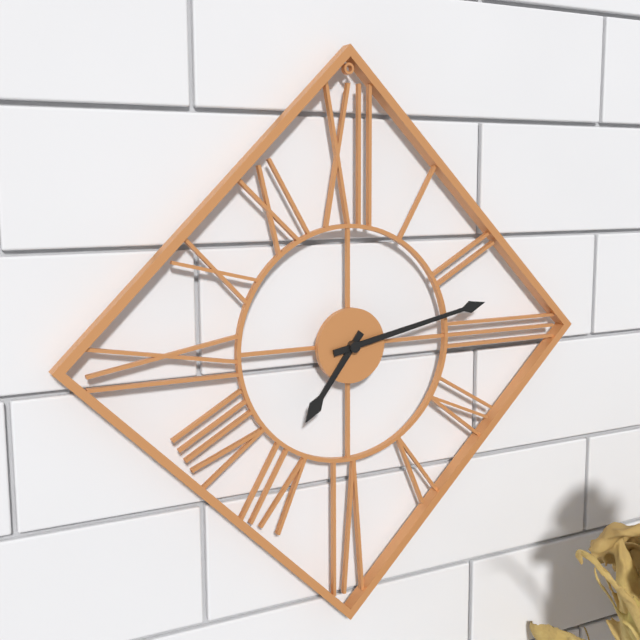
{"hour": 7, "minute": 13}
